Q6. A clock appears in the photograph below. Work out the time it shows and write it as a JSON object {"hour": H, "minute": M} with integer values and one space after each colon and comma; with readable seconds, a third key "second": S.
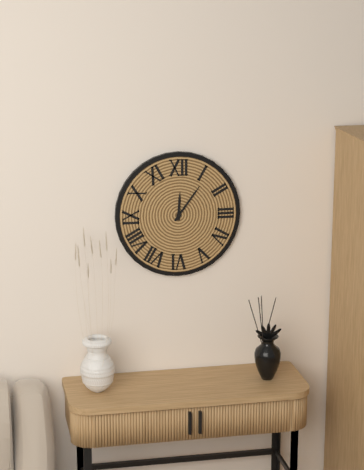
{"hour": 12, "minute": 6}
